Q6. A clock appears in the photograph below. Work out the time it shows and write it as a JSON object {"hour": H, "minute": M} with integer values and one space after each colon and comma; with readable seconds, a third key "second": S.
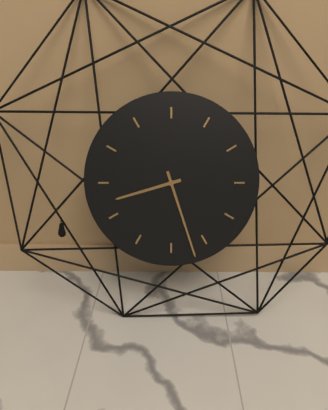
{"hour": 8, "minute": 27}
